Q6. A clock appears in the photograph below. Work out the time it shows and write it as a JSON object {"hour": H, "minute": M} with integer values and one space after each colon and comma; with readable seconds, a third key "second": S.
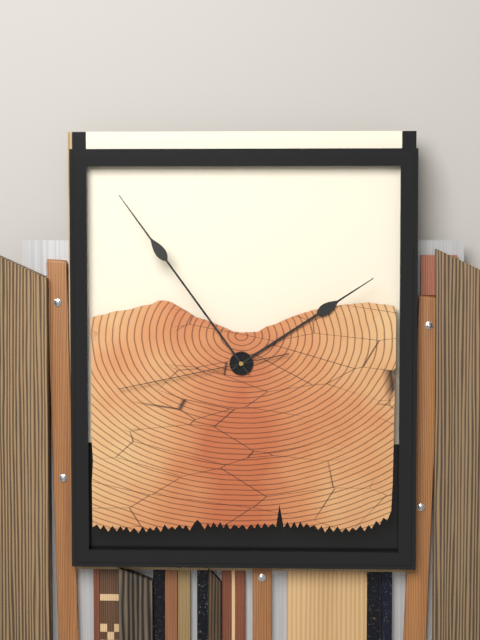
{"hour": 1, "minute": 54, "second": 43}
